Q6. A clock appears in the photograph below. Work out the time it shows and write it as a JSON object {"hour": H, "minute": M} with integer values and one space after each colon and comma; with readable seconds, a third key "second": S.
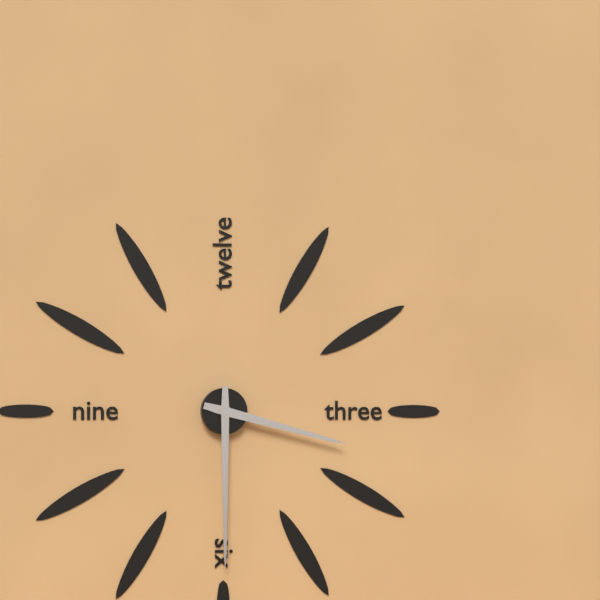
{"hour": 3, "minute": 30}
